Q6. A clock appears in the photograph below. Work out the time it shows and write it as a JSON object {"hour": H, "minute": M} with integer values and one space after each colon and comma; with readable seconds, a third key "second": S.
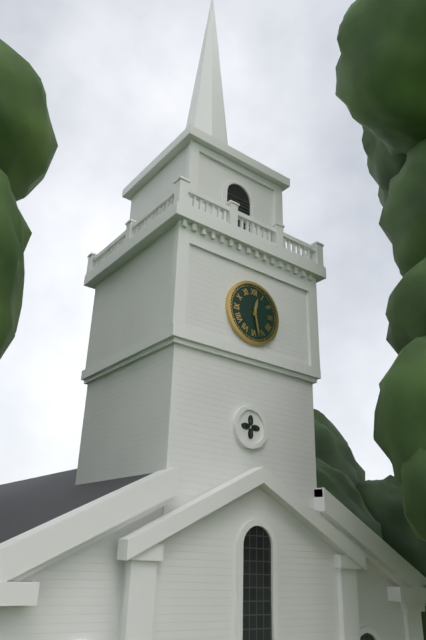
{"hour": 12, "minute": 28}
